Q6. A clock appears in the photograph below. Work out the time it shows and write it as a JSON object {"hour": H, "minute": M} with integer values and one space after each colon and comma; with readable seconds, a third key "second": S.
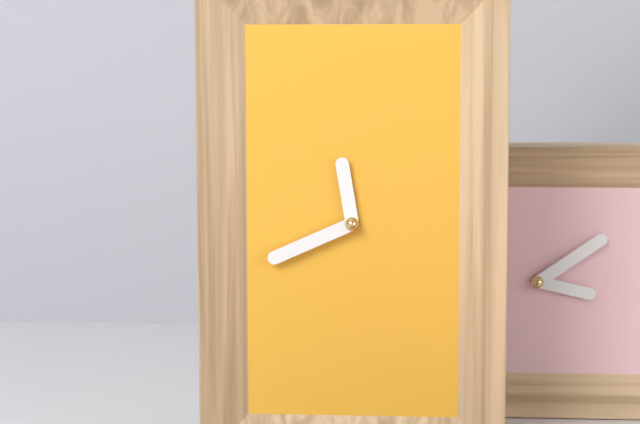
{"hour": 11, "minute": 41}
